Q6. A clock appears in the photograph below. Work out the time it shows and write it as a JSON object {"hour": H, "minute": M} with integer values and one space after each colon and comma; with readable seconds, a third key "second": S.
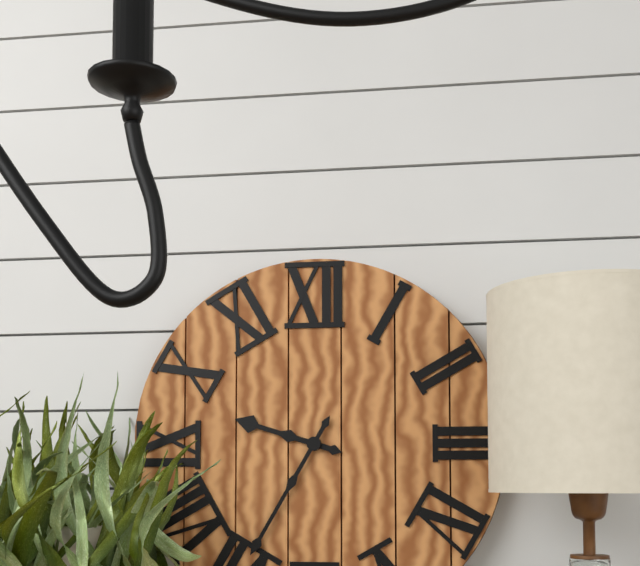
{"hour": 9, "minute": 35}
